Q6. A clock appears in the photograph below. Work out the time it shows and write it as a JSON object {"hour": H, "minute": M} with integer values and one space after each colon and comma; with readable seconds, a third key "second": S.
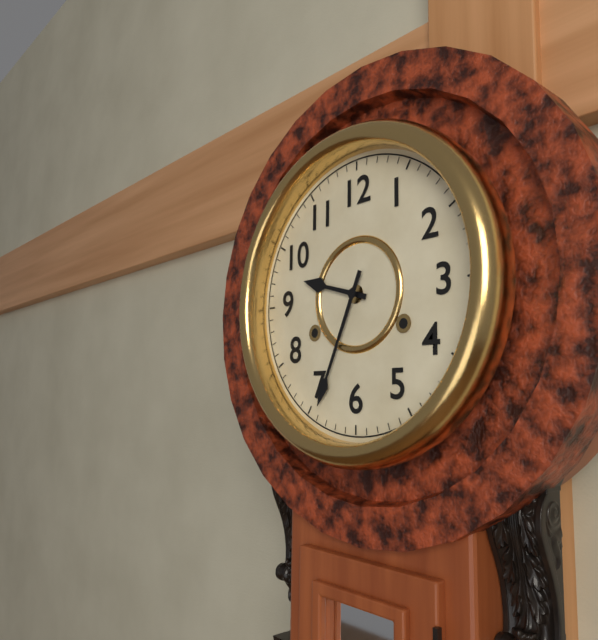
{"hour": 9, "minute": 34}
